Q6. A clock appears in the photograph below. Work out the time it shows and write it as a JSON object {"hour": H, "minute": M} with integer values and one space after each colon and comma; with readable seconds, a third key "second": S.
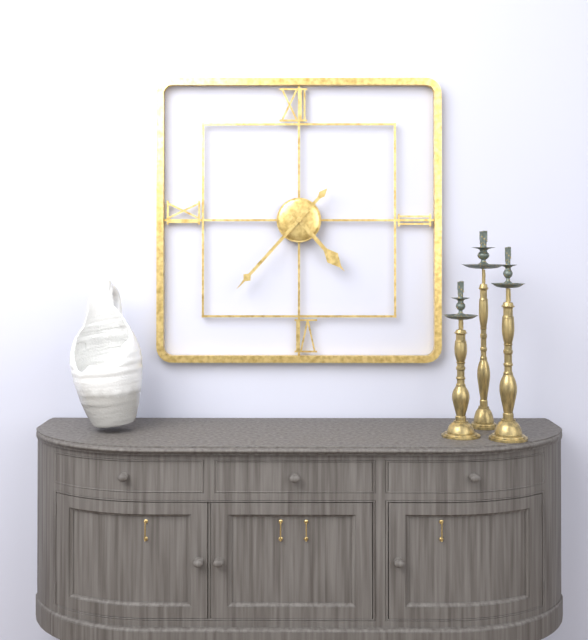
{"hour": 4, "minute": 37}
